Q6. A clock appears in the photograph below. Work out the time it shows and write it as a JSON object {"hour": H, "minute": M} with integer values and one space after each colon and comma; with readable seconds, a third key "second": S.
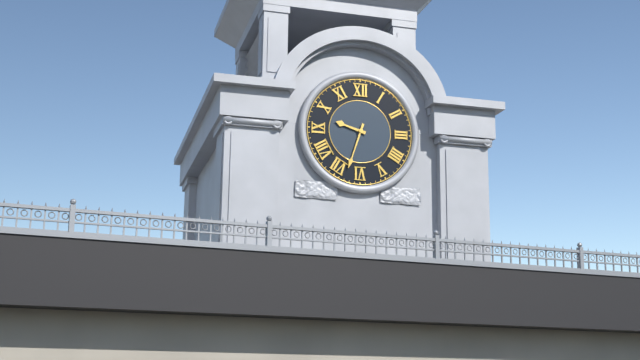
{"hour": 9, "minute": 33}
